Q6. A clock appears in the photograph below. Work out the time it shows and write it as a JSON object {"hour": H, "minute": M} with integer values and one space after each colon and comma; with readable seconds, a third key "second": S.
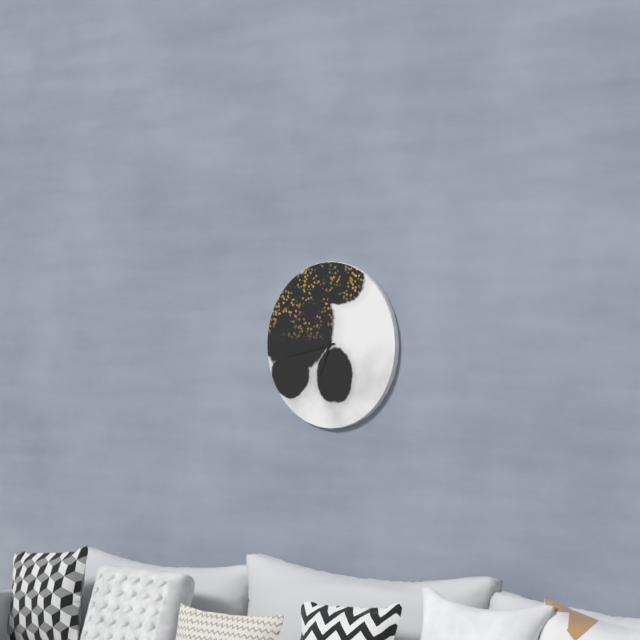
{"hour": 6, "minute": 43}
